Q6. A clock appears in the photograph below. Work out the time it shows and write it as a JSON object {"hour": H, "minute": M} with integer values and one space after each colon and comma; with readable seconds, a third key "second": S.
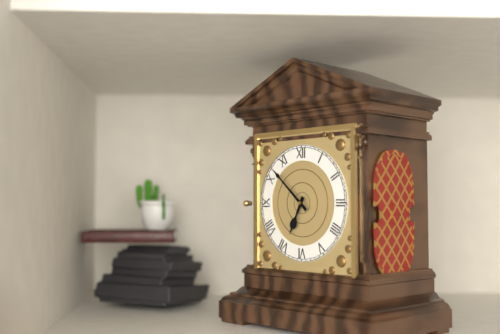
{"hour": 6, "minute": 52}
